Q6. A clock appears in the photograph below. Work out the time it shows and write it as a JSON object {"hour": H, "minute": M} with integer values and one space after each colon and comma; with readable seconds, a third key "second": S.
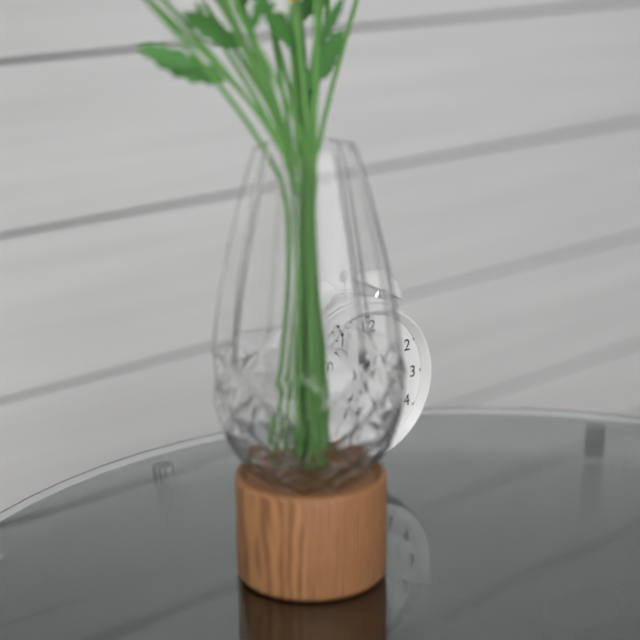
{"hour": 11, "minute": 36}
